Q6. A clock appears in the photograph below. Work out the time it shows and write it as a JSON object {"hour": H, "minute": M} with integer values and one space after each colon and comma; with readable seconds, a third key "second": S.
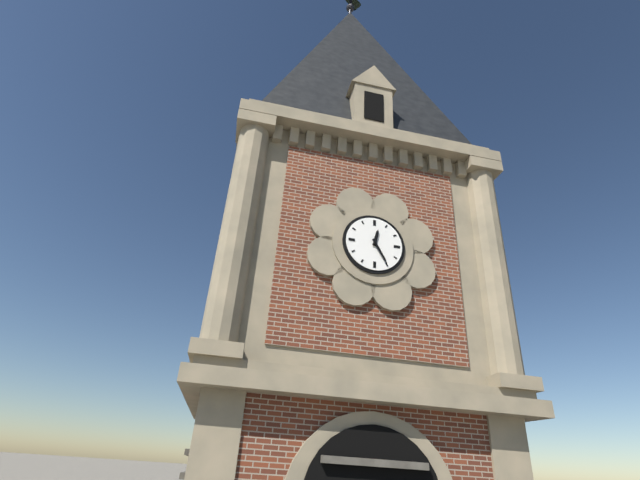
{"hour": 12, "minute": 25}
